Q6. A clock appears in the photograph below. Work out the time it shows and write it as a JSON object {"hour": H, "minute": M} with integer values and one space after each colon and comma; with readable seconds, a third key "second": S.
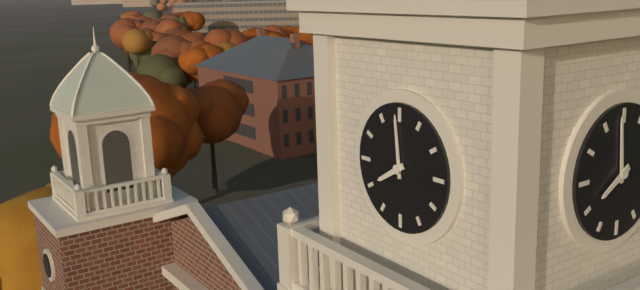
{"hour": 7, "minute": 59}
